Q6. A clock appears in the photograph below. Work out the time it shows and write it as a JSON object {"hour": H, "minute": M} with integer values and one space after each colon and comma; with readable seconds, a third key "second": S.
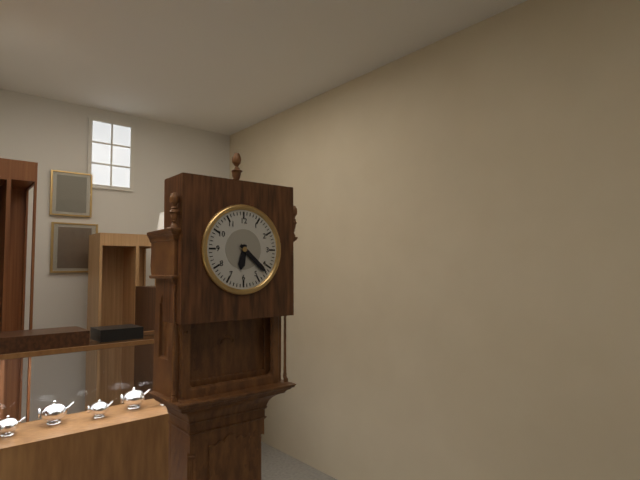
{"hour": 6, "minute": 22}
